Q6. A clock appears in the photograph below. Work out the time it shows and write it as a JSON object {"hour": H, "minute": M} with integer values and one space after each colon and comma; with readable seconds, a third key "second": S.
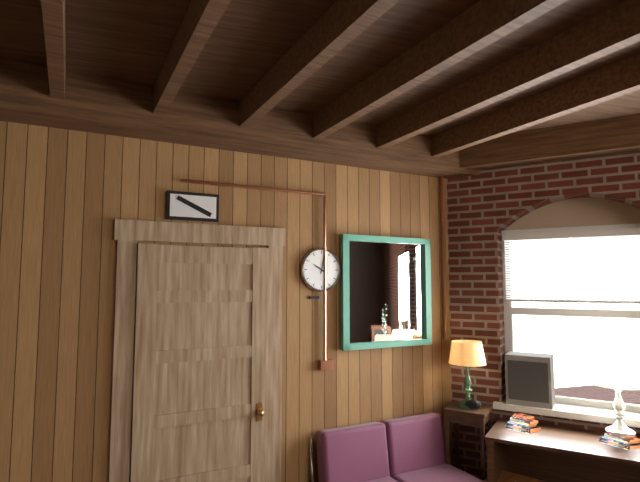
{"hour": 10, "minute": 2}
